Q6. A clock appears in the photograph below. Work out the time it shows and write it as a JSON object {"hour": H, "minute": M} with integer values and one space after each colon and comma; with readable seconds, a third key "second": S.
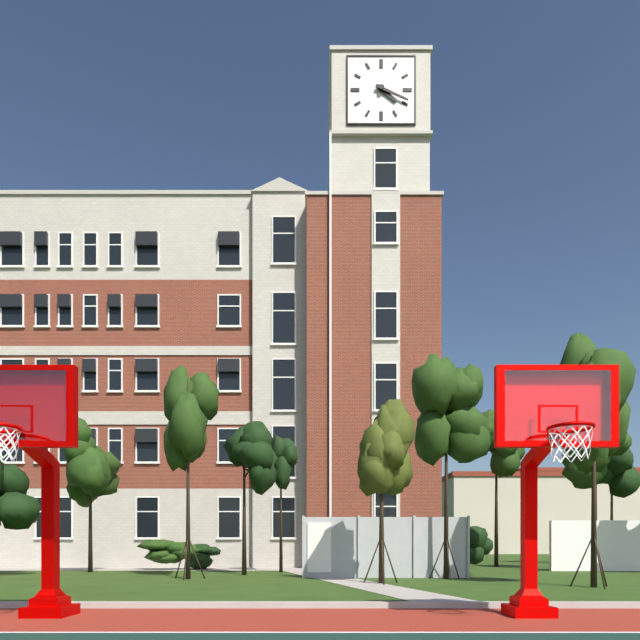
{"hour": 4, "minute": 19}
